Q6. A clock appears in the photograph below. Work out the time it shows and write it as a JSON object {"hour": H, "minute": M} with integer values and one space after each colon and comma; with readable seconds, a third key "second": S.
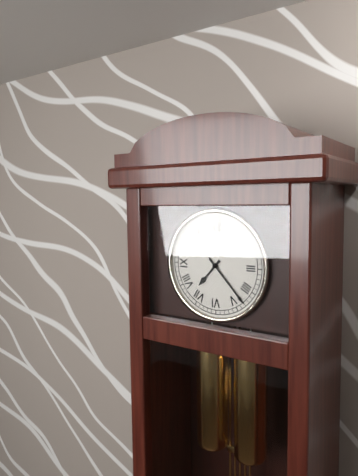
{"hour": 7, "minute": 23}
